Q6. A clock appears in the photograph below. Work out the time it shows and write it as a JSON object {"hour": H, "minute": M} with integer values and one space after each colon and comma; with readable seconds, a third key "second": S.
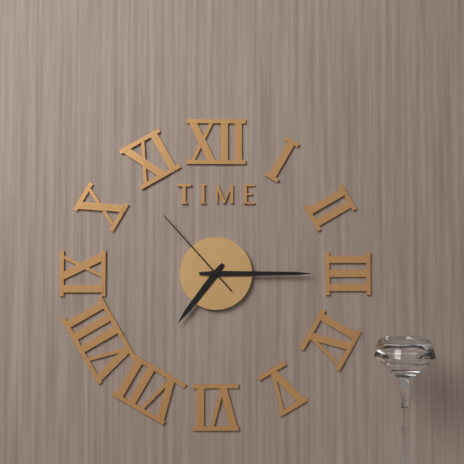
{"hour": 7, "minute": 15, "second": 53}
